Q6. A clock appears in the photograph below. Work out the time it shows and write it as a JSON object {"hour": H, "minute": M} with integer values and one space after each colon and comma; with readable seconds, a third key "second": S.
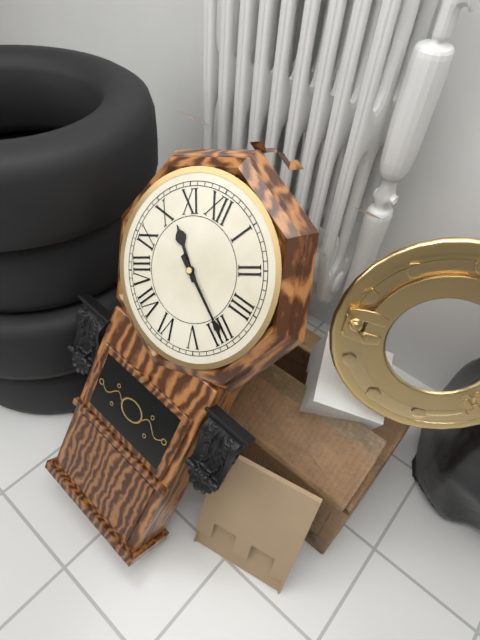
{"hour": 10, "minute": 20}
